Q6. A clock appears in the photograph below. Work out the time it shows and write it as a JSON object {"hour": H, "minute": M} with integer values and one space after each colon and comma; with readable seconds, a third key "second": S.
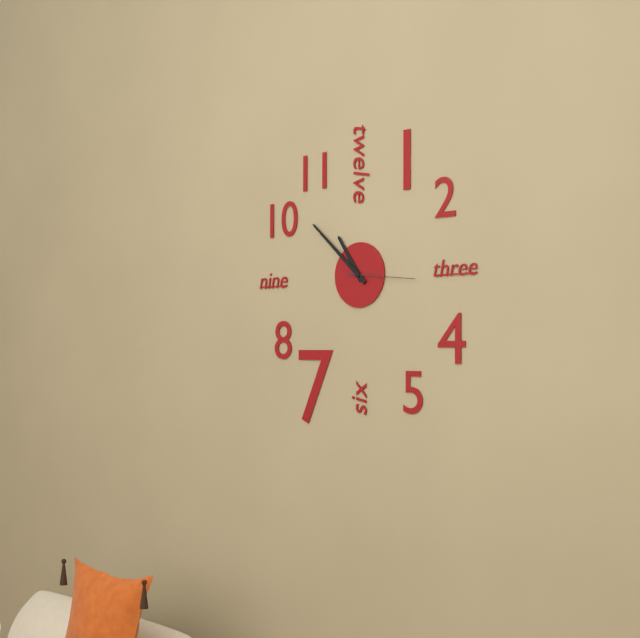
{"hour": 10, "minute": 52, "second": 16}
